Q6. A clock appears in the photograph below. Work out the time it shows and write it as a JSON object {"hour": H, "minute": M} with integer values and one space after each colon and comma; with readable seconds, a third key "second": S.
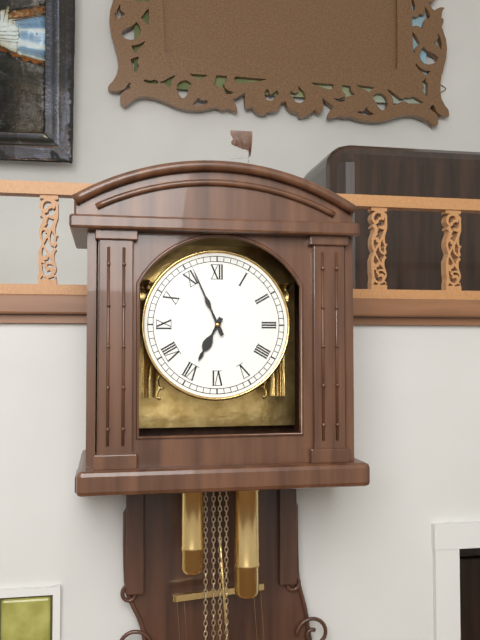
{"hour": 6, "minute": 56}
